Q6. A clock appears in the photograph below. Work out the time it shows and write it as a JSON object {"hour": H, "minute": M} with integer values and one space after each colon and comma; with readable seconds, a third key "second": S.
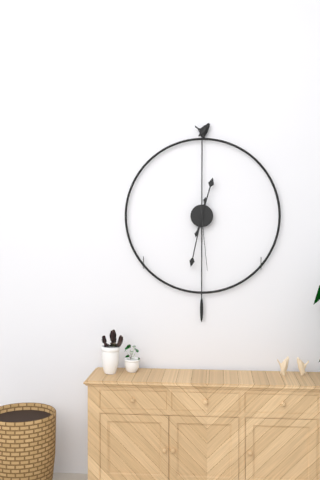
{"hour": 12, "minute": 32, "second": 29}
